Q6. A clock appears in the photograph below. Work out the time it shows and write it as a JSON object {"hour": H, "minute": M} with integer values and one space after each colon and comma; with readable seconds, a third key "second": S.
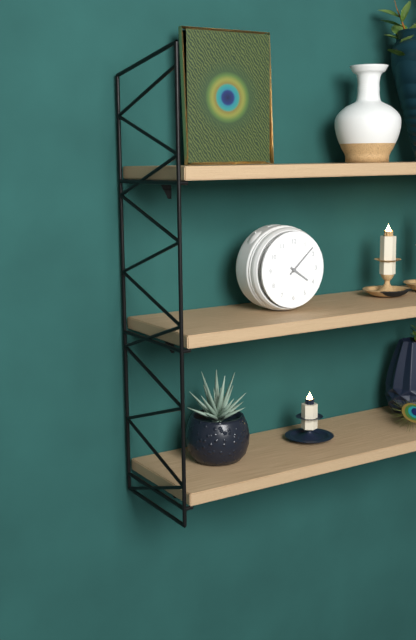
{"hour": 4, "minute": 8}
